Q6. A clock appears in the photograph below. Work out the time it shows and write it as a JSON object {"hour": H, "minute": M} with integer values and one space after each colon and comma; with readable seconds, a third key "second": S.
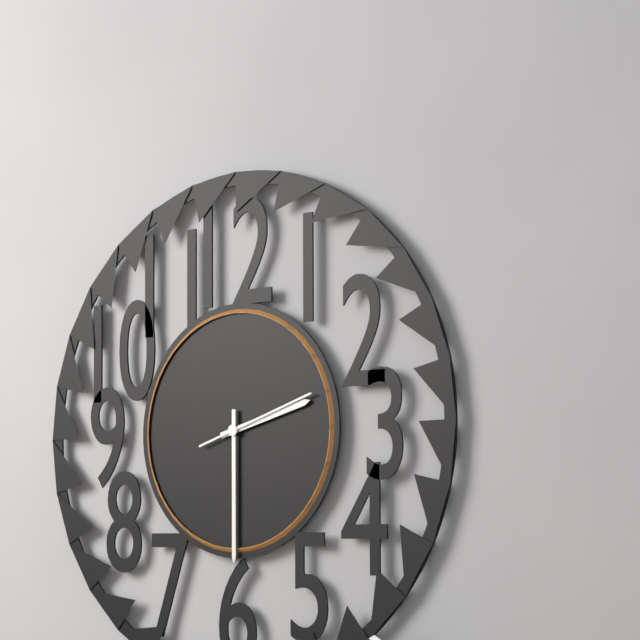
{"hour": 2, "minute": 30, "second": 12}
